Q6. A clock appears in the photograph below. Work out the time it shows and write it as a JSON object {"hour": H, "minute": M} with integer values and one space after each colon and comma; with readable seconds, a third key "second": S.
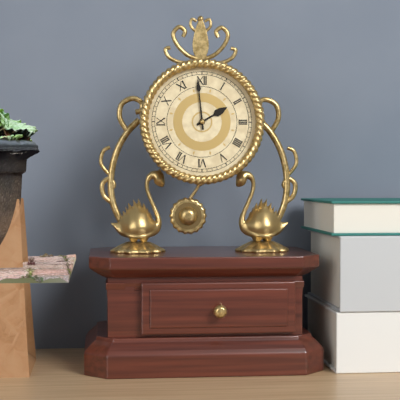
{"hour": 1, "minute": 59}
